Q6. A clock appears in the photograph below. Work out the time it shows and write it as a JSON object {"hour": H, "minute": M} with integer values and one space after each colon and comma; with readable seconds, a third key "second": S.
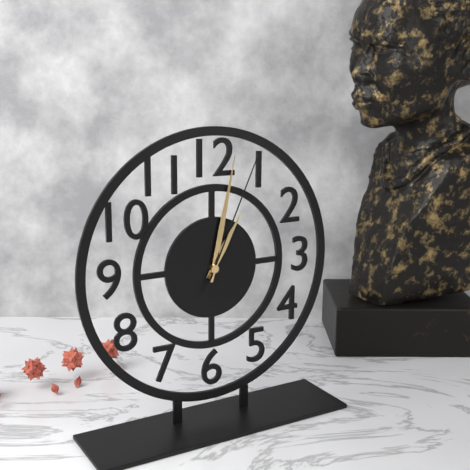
{"hour": 1, "minute": 2, "second": 4}
